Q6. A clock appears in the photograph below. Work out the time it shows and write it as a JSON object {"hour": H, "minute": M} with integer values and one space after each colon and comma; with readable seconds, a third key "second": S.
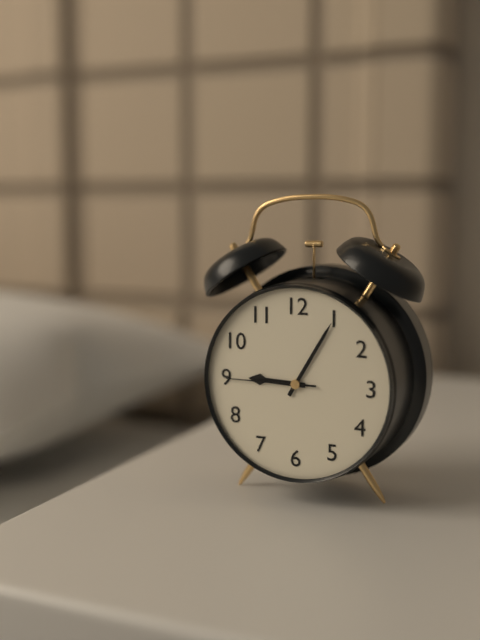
{"hour": 9, "minute": 5, "second": 45}
